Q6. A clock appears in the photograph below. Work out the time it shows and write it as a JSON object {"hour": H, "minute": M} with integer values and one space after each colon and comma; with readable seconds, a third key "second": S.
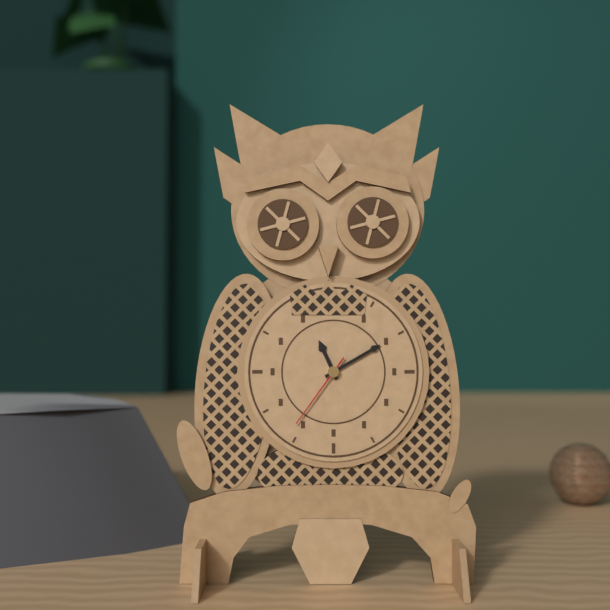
{"hour": 11, "minute": 10, "second": 36}
